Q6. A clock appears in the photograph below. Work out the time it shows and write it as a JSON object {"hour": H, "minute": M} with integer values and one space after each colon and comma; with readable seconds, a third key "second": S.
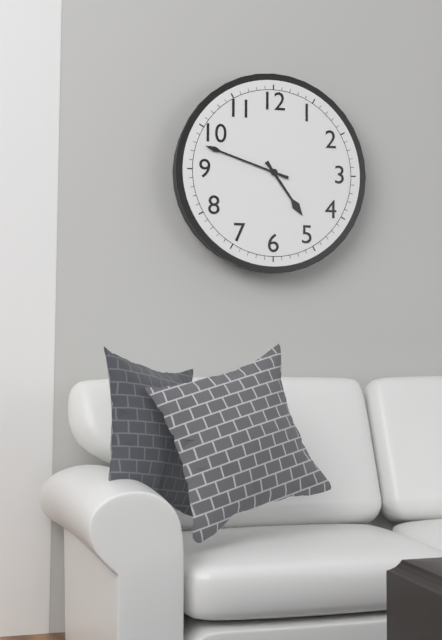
{"hour": 4, "minute": 48}
